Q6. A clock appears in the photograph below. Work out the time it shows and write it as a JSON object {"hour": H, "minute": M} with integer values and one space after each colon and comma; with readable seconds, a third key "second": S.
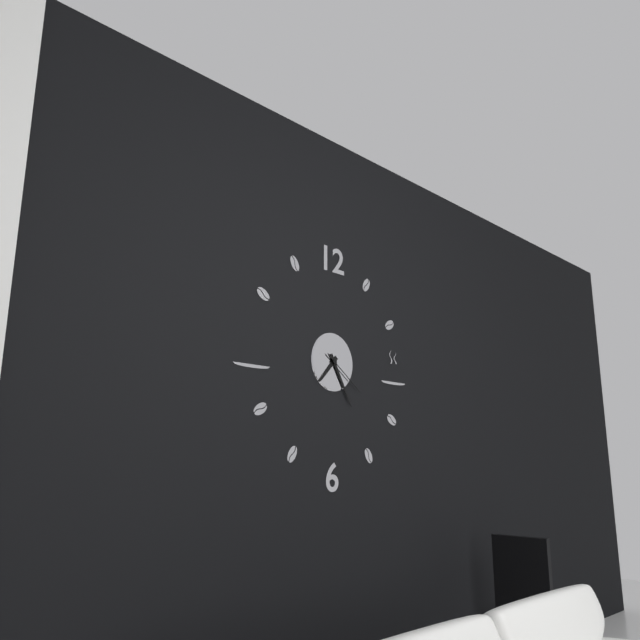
{"hour": 7, "minute": 25, "second": 21}
